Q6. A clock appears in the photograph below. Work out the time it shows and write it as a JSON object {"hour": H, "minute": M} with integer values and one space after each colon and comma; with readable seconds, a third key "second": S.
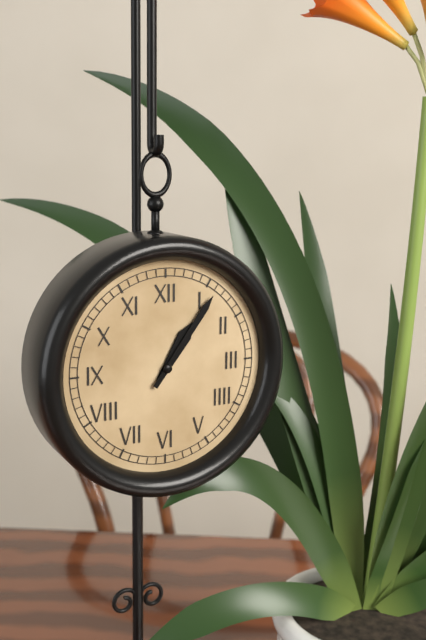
{"hour": 1, "minute": 6}
